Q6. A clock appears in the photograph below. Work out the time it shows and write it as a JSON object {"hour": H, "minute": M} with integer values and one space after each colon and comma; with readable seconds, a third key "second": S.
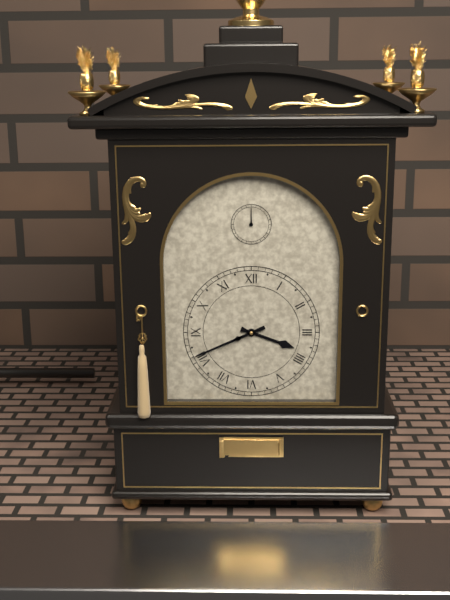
{"hour": 3, "minute": 41}
